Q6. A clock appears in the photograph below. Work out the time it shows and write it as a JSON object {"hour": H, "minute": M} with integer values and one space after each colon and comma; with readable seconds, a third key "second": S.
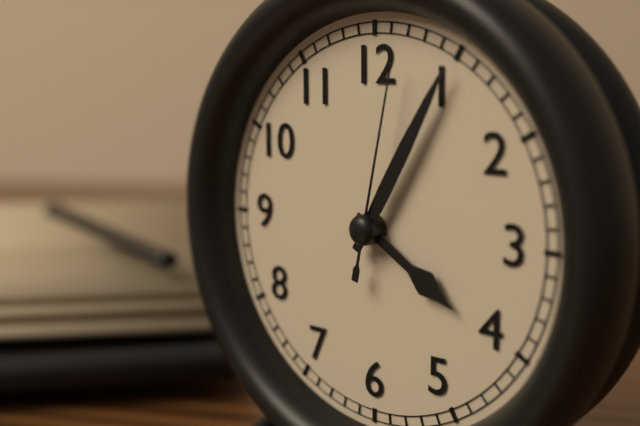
{"hour": 4, "minute": 5, "second": 2}
